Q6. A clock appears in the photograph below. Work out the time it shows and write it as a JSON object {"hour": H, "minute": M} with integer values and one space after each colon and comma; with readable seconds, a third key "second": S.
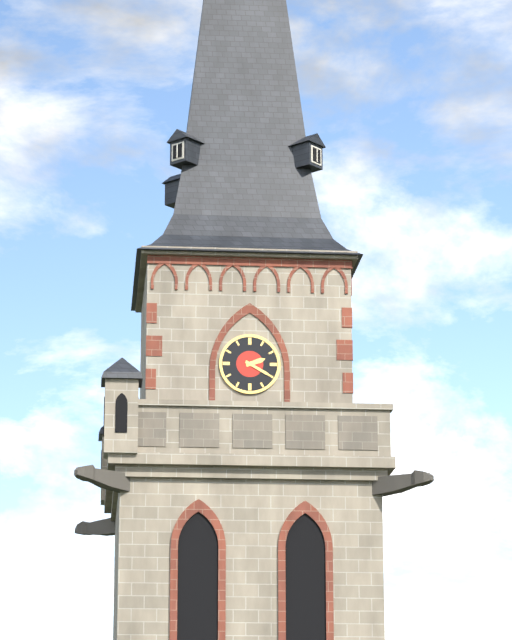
{"hour": 2, "minute": 20}
